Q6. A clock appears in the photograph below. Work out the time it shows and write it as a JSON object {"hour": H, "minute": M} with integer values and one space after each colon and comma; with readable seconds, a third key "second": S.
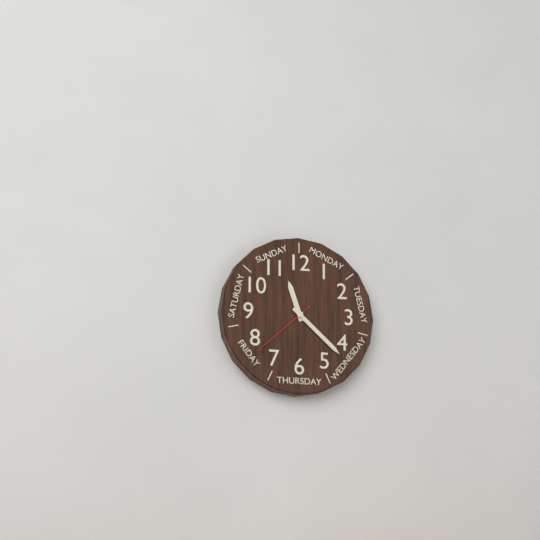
{"hour": 11, "minute": 22, "second": 38}
